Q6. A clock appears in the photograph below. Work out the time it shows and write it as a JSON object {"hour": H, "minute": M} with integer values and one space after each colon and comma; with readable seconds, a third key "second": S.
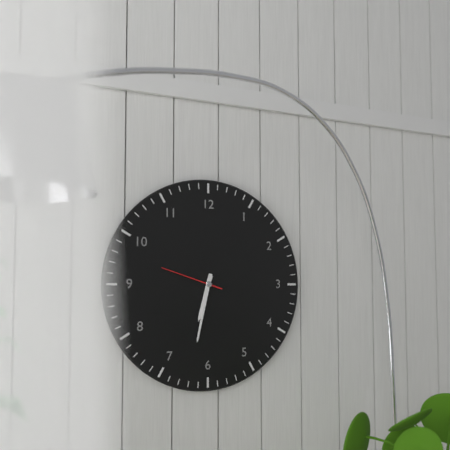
{"hour": 6, "minute": 32, "second": 48}
